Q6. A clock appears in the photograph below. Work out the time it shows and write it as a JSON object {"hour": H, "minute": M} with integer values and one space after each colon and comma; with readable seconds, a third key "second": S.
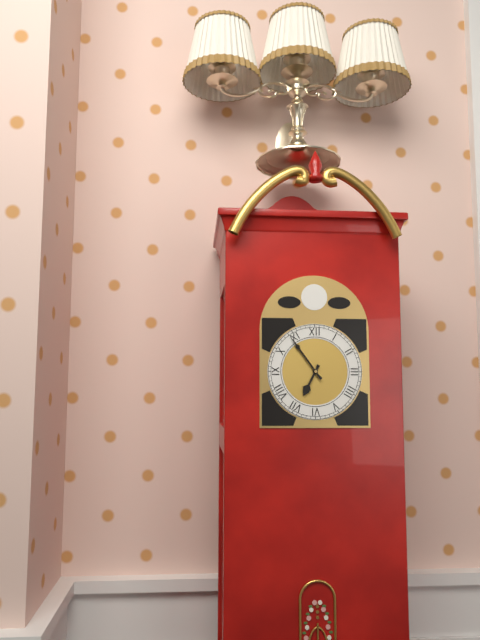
{"hour": 6, "minute": 54}
